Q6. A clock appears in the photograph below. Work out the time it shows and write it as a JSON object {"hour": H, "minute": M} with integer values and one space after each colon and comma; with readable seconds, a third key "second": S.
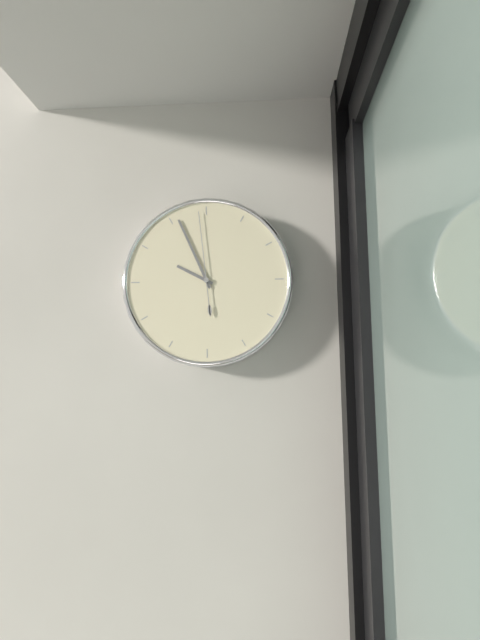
{"hour": 9, "minute": 56, "second": 59}
